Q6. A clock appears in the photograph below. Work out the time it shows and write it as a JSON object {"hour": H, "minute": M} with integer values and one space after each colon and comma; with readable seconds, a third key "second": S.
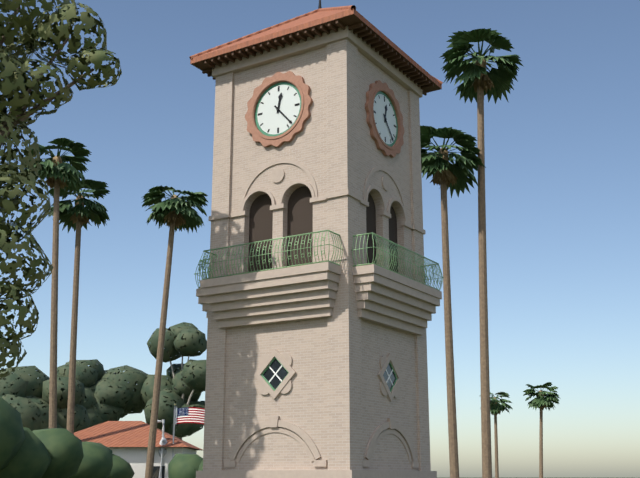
{"hour": 12, "minute": 23}
